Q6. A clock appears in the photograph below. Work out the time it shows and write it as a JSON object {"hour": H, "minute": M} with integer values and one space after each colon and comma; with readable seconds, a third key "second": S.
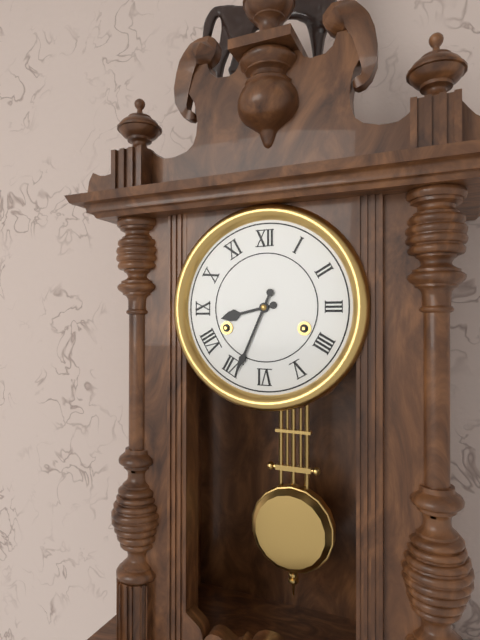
{"hour": 8, "minute": 34}
